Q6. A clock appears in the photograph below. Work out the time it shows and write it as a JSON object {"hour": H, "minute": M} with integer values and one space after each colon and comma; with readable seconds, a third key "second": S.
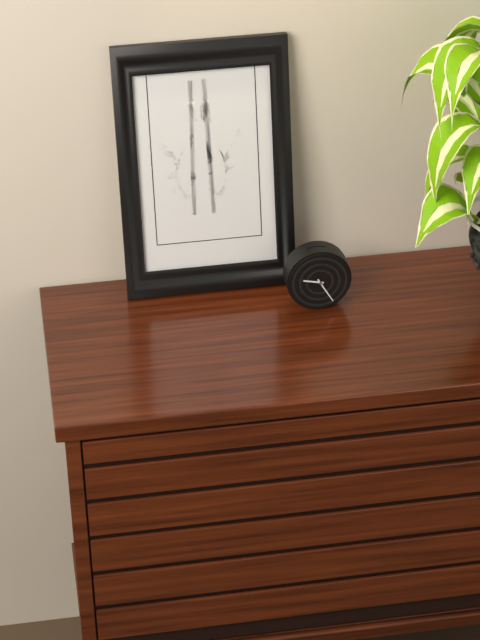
{"hour": 9, "minute": 25}
